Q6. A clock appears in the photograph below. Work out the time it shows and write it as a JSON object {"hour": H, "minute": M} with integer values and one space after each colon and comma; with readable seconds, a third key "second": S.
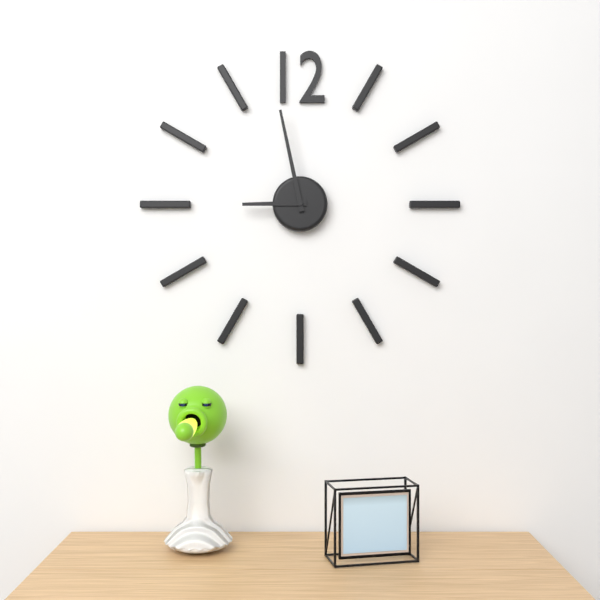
{"hour": 8, "minute": 58}
